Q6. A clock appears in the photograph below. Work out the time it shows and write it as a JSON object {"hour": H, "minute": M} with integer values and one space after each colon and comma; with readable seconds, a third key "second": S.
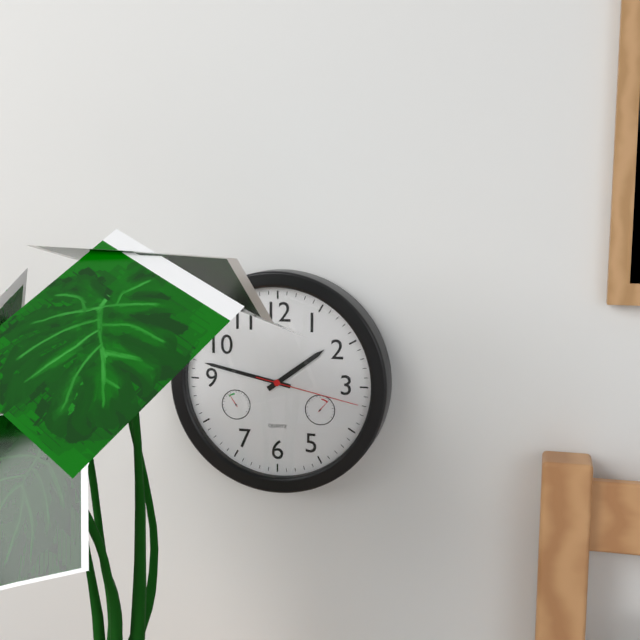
{"hour": 1, "minute": 47, "second": 17}
